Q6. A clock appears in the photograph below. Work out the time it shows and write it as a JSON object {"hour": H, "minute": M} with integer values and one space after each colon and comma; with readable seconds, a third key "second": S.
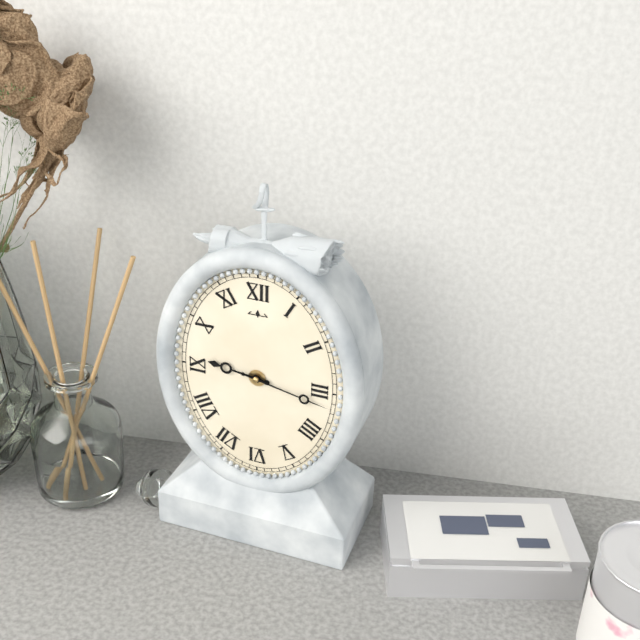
{"hour": 9, "minute": 17}
